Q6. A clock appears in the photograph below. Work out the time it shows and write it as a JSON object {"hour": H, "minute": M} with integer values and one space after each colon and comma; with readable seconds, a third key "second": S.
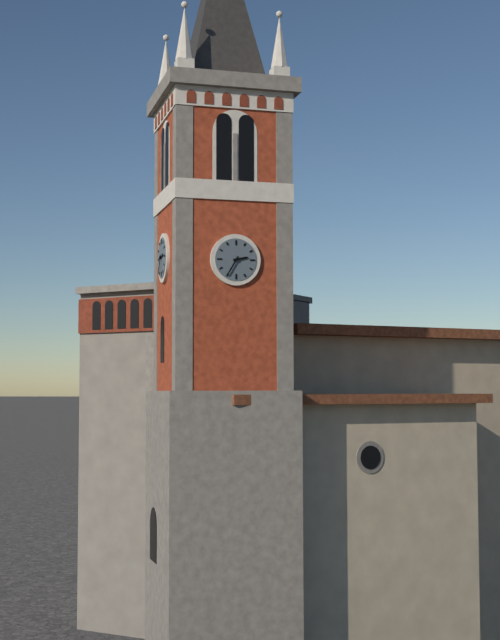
{"hour": 2, "minute": 35}
